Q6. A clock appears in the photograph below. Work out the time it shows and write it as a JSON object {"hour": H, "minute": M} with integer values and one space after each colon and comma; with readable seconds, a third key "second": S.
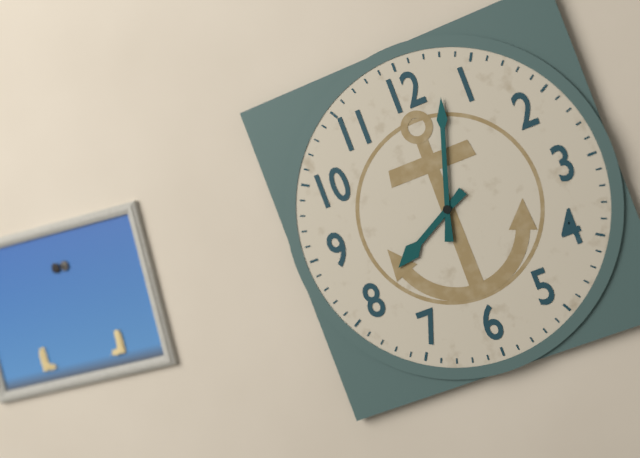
{"hour": 8, "minute": 3}
